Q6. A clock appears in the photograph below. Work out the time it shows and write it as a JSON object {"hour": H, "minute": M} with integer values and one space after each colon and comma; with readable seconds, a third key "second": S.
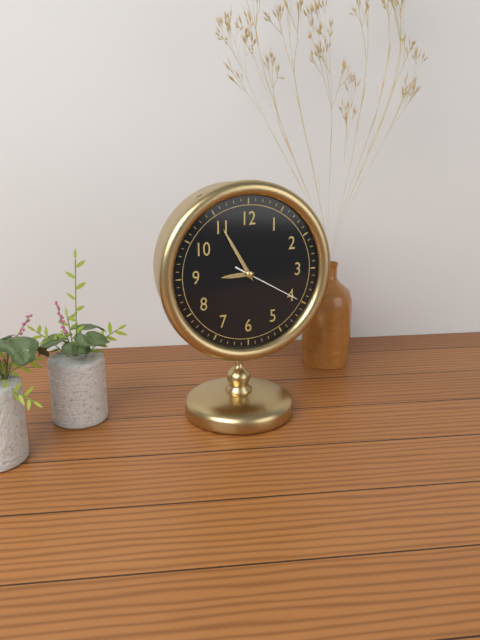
{"hour": 8, "minute": 55, "second": 20}
